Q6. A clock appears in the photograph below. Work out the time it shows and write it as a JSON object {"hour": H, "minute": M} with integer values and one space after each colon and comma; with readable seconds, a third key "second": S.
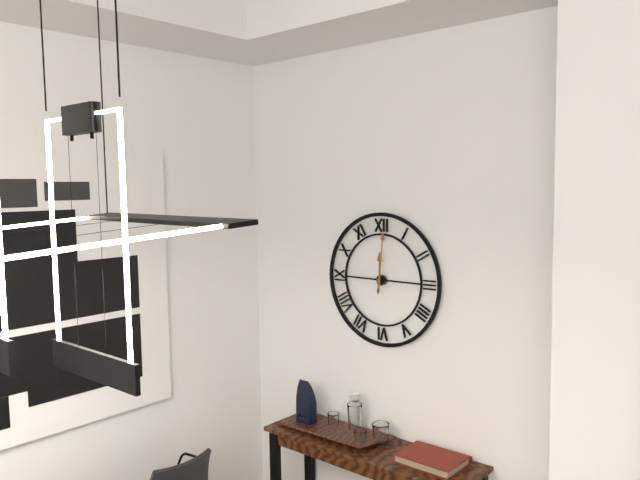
{"hour": 12, "minute": 1}
